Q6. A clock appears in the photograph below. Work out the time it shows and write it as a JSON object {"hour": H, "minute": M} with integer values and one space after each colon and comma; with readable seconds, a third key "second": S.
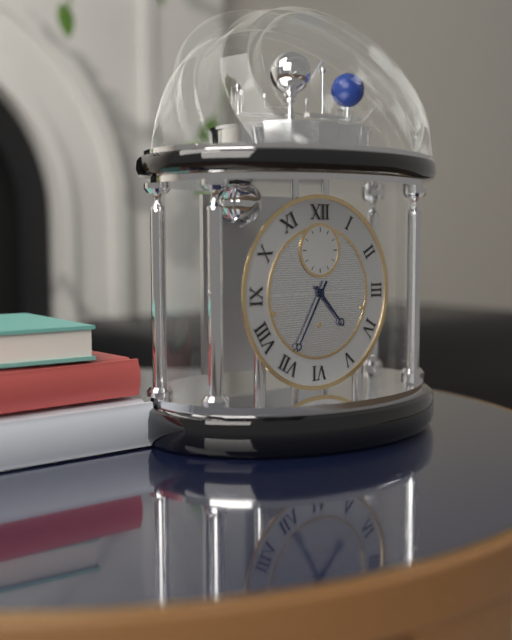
{"hour": 4, "minute": 35}
